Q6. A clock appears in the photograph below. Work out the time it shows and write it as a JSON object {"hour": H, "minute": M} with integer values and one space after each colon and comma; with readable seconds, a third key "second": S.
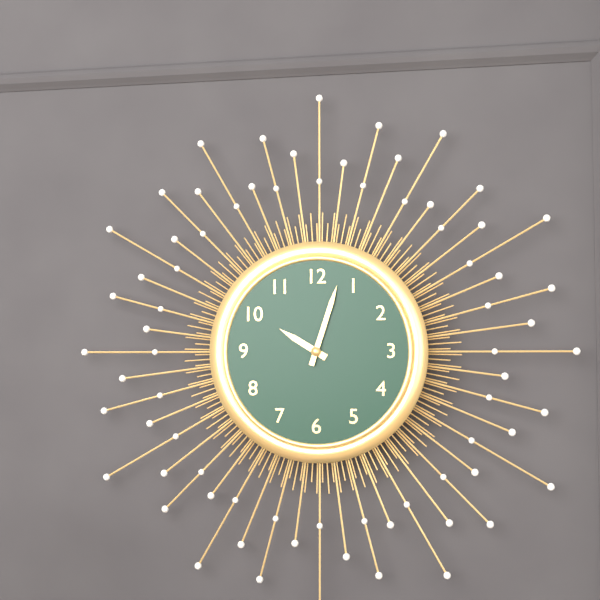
{"hour": 10, "minute": 3}
